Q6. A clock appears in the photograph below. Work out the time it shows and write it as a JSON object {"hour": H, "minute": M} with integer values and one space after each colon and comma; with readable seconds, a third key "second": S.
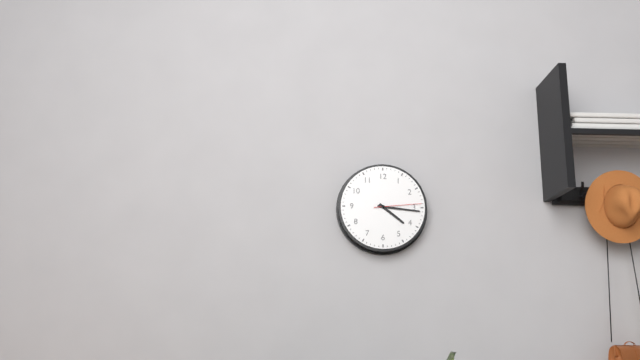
{"hour": 4, "minute": 16}
